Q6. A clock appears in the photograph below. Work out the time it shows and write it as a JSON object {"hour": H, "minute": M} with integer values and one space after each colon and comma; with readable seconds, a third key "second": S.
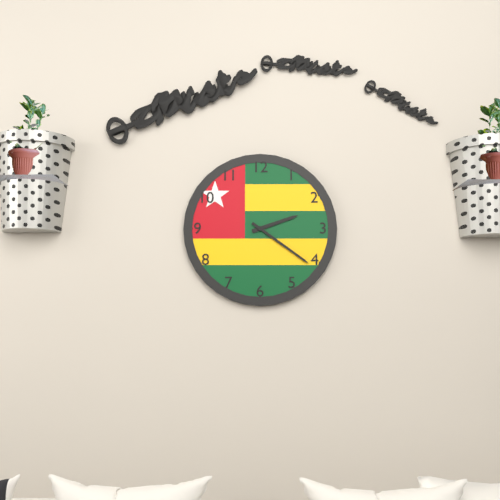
{"hour": 2, "minute": 21}
